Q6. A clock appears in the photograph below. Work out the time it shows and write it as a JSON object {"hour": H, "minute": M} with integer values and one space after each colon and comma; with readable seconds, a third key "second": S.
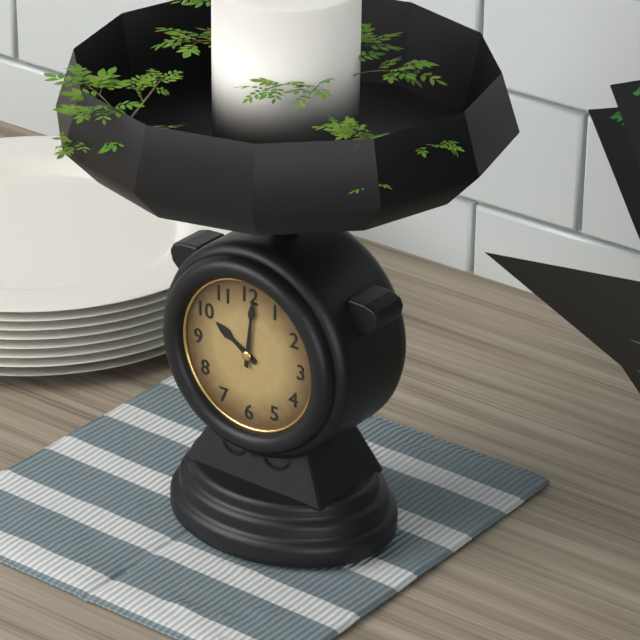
{"hour": 10, "minute": 1}
